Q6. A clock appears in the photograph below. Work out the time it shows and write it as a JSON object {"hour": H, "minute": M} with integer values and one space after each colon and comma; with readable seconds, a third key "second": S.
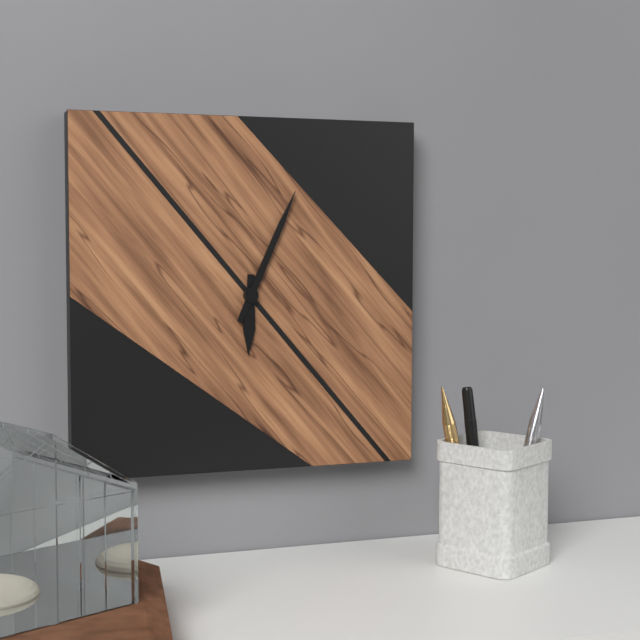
{"hour": 6, "minute": 4}
